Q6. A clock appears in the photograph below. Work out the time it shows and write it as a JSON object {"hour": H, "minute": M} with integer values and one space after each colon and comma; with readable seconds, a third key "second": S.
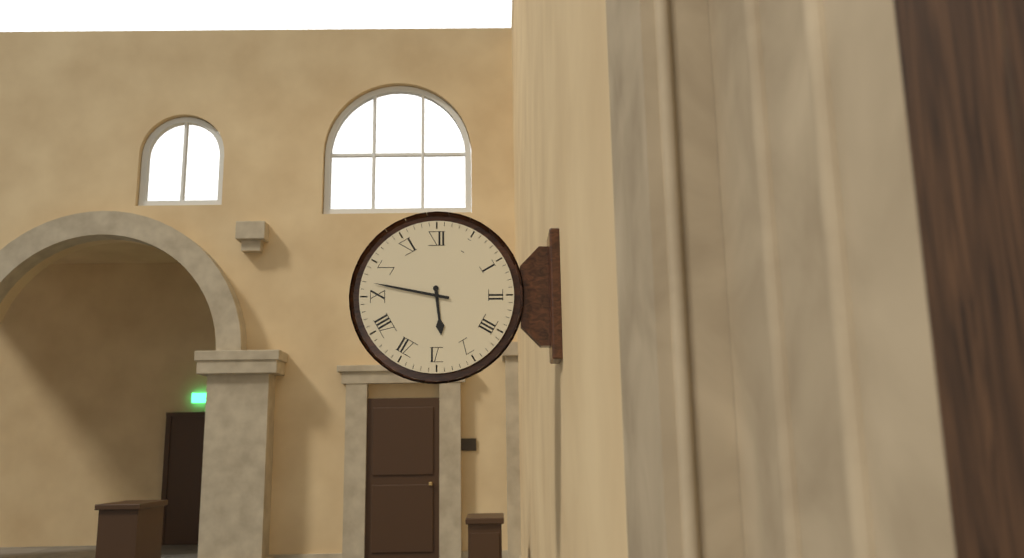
{"hour": 5, "minute": 47}
